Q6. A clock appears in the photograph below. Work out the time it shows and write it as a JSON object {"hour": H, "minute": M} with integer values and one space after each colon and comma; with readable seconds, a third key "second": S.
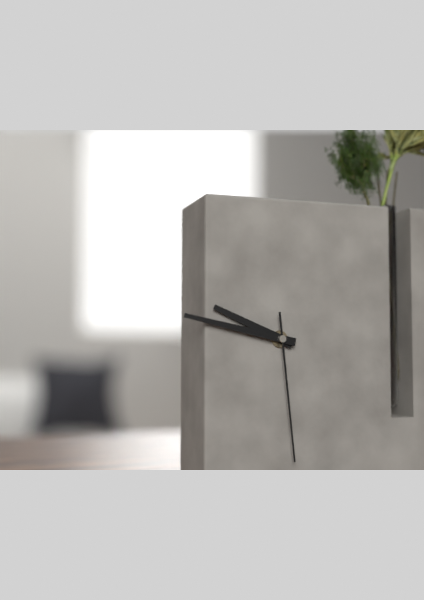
{"hour": 9, "minute": 47, "second": 29}
